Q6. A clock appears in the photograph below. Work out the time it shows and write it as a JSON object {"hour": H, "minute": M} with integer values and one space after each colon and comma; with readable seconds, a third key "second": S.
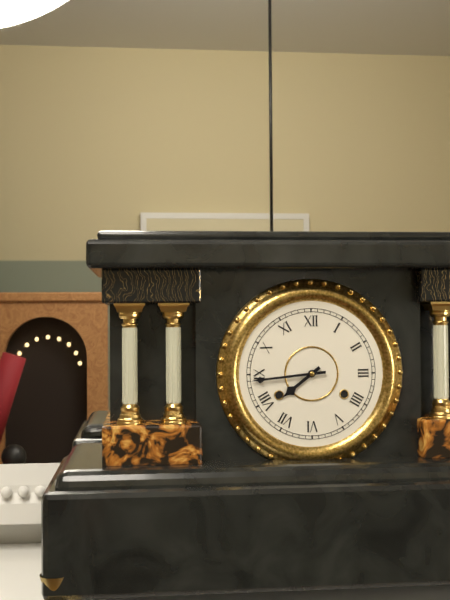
{"hour": 7, "minute": 44}
